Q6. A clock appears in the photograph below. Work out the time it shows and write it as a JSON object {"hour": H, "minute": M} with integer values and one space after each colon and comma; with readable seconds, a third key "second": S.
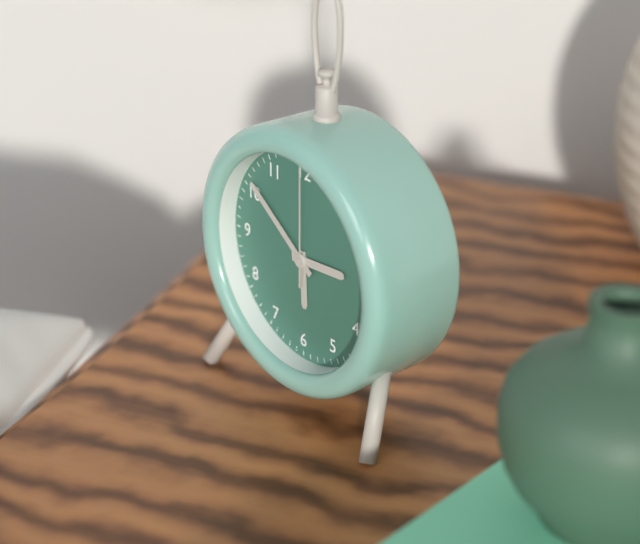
{"hour": 2, "minute": 51, "second": 0}
